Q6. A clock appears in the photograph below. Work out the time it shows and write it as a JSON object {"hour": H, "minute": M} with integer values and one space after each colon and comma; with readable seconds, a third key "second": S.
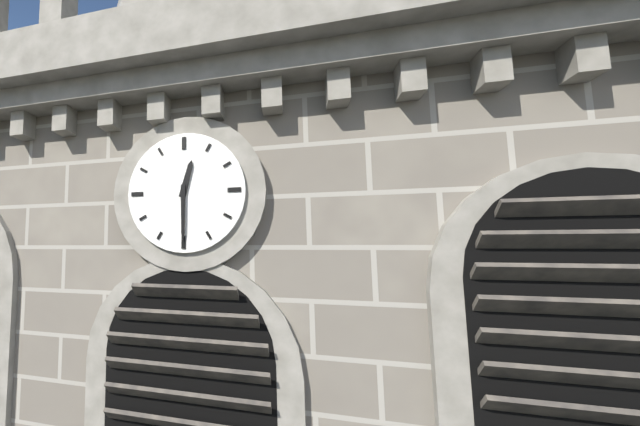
{"hour": 12, "minute": 30}
